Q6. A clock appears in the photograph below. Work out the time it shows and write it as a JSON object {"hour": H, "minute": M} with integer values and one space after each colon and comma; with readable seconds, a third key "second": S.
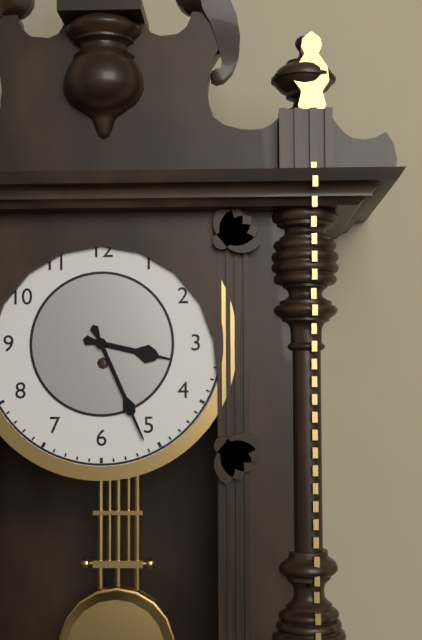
{"hour": 3, "minute": 26}
